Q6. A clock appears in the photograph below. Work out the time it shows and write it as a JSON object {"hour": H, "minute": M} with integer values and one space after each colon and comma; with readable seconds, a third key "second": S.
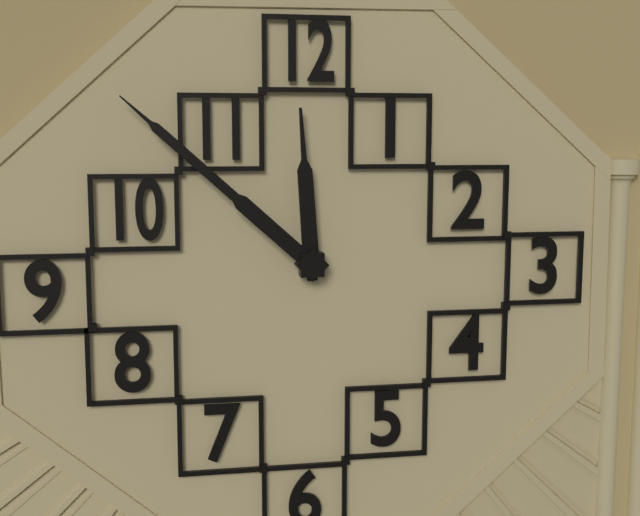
{"hour": 11, "minute": 52}
